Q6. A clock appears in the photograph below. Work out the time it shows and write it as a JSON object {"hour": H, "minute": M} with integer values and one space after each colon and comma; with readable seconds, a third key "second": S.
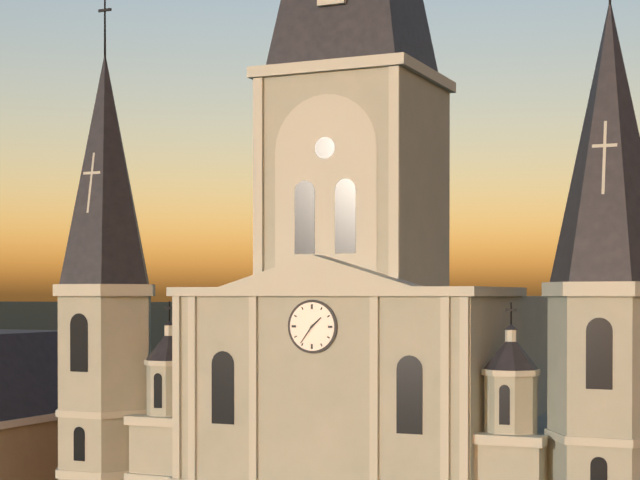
{"hour": 1, "minute": 36}
